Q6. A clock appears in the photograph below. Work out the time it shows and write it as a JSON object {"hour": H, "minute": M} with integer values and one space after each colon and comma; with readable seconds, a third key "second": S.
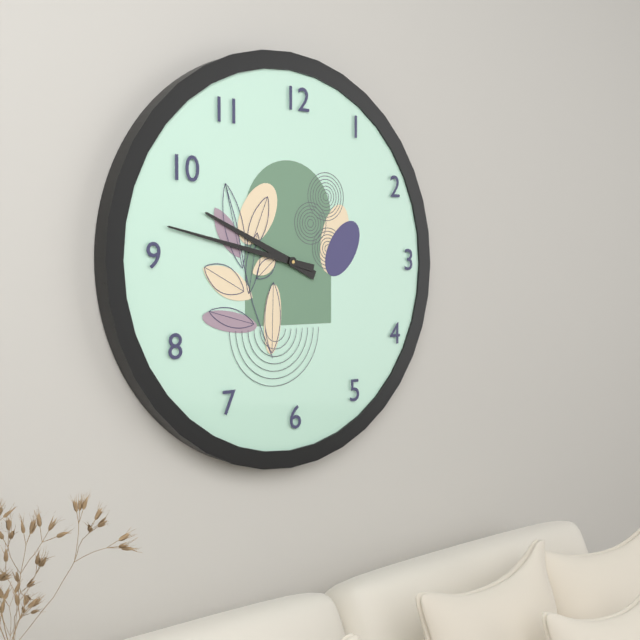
{"hour": 9, "minute": 47}
